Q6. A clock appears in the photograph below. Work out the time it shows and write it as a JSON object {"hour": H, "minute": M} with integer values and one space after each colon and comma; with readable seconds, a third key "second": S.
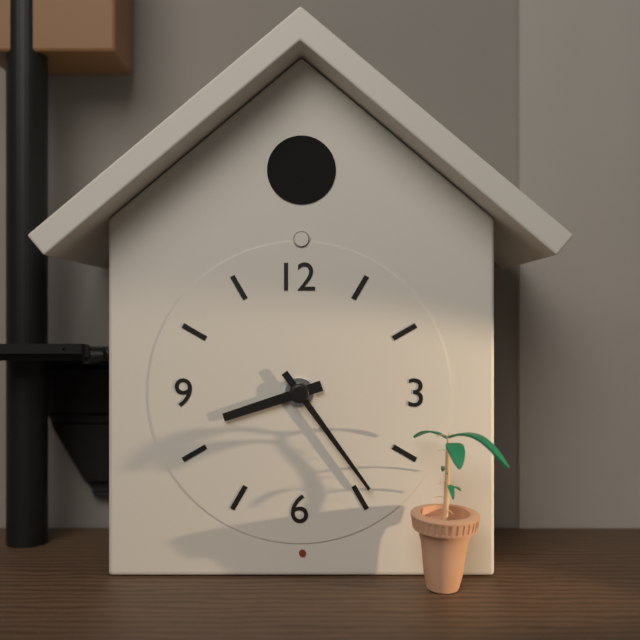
{"hour": 8, "minute": 24}
